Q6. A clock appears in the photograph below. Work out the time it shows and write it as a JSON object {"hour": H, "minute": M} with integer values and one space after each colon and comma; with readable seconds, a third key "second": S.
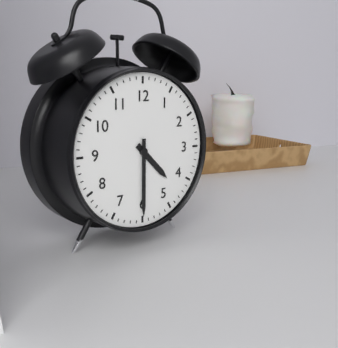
{"hour": 4, "minute": 30}
